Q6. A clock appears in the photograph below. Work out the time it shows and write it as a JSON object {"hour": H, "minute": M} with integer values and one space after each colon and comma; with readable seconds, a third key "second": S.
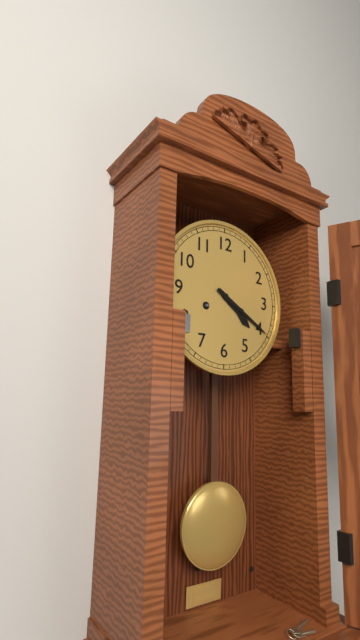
{"hour": 4, "minute": 20}
